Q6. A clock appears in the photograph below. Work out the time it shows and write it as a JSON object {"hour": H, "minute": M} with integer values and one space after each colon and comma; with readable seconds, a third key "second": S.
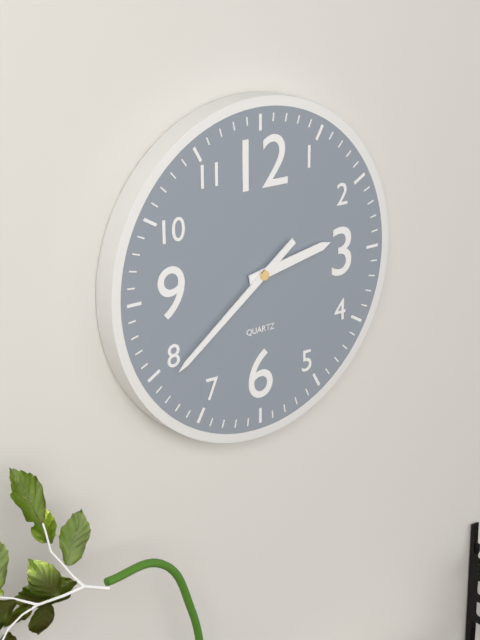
{"hour": 2, "minute": 39}
